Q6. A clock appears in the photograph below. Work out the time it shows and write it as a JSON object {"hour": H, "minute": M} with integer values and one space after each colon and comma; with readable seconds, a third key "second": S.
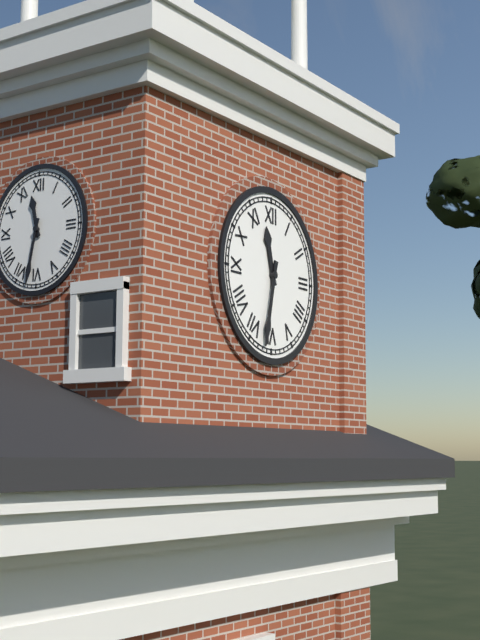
{"hour": 11, "minute": 32}
